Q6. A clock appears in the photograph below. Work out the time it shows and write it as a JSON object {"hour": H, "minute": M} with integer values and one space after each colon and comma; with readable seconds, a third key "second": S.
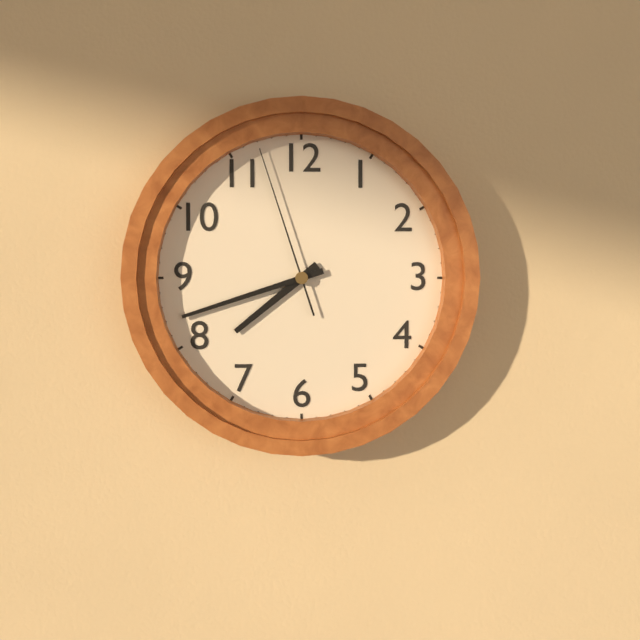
{"hour": 7, "minute": 42, "second": 57}
